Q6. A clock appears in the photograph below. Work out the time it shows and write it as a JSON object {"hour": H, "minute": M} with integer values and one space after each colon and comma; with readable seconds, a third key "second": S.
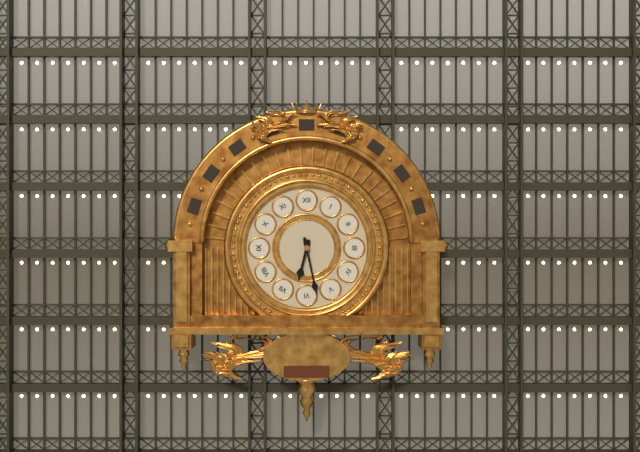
{"hour": 6, "minute": 28}
